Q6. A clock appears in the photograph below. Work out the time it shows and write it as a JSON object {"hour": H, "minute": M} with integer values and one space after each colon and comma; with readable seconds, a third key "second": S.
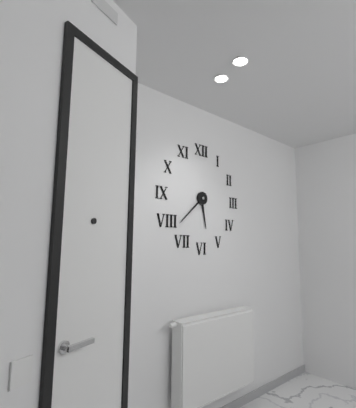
{"hour": 5, "minute": 38}
